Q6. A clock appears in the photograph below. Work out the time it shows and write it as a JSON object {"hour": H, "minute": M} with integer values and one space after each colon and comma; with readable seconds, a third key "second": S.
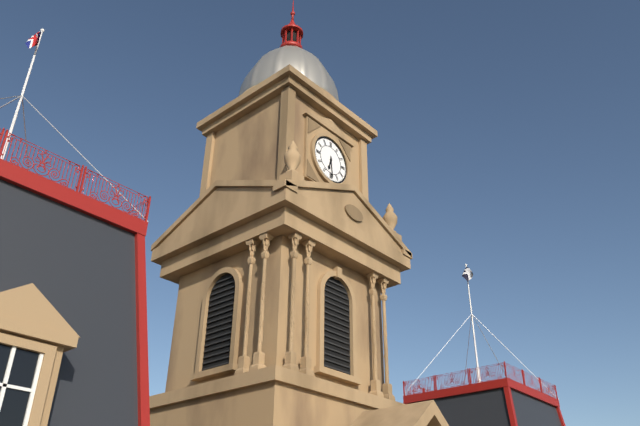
{"hour": 6, "minute": 29}
